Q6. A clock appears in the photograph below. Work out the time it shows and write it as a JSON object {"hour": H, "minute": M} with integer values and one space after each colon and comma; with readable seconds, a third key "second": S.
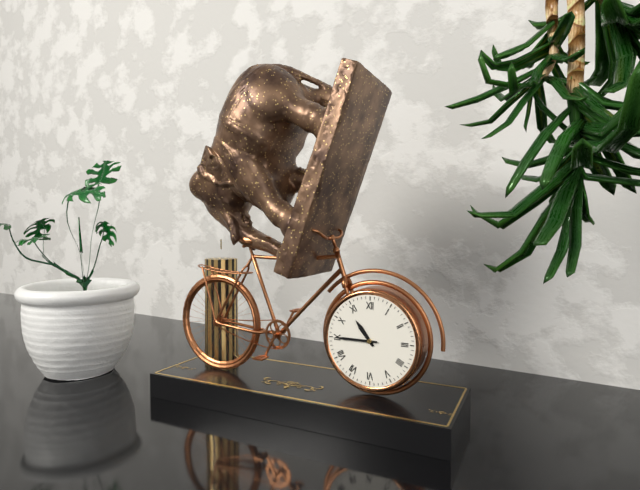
{"hour": 10, "minute": 45}
